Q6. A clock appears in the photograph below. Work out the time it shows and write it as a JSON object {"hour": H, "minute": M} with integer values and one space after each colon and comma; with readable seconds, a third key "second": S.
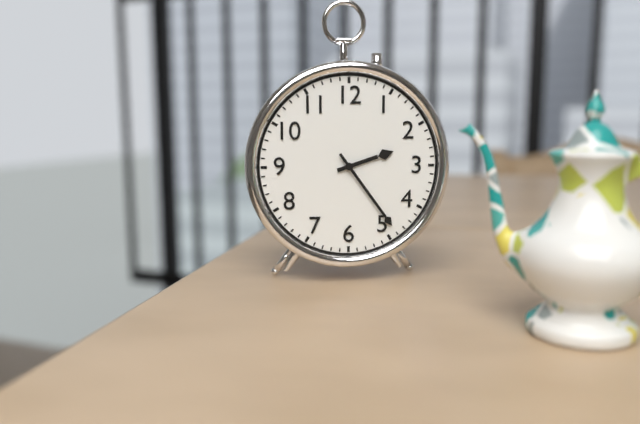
{"hour": 2, "minute": 24}
